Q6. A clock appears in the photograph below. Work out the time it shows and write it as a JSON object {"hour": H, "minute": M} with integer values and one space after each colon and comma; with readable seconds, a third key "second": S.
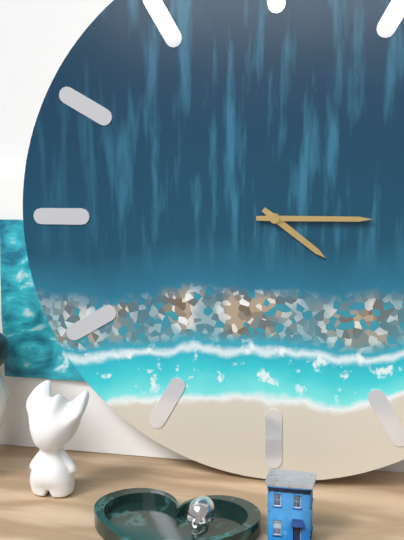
{"hour": 4, "minute": 15}
